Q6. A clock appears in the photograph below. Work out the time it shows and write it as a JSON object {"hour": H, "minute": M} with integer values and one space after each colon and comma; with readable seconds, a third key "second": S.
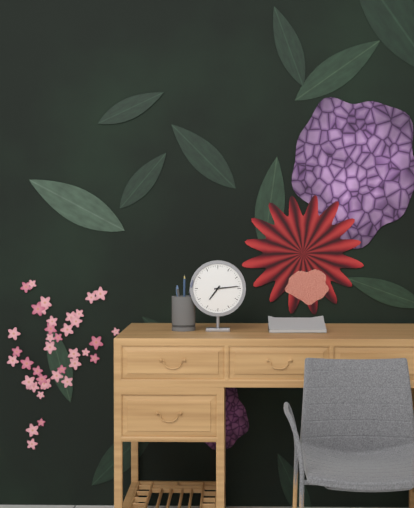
{"hour": 7, "minute": 14}
